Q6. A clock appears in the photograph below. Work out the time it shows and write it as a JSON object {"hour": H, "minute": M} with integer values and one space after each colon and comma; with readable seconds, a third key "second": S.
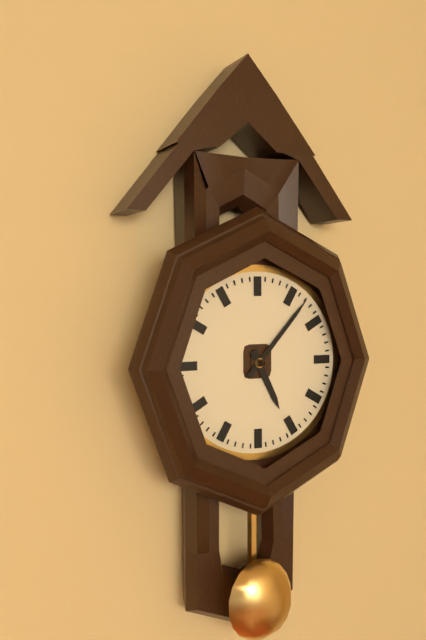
{"hour": 5, "minute": 7}
